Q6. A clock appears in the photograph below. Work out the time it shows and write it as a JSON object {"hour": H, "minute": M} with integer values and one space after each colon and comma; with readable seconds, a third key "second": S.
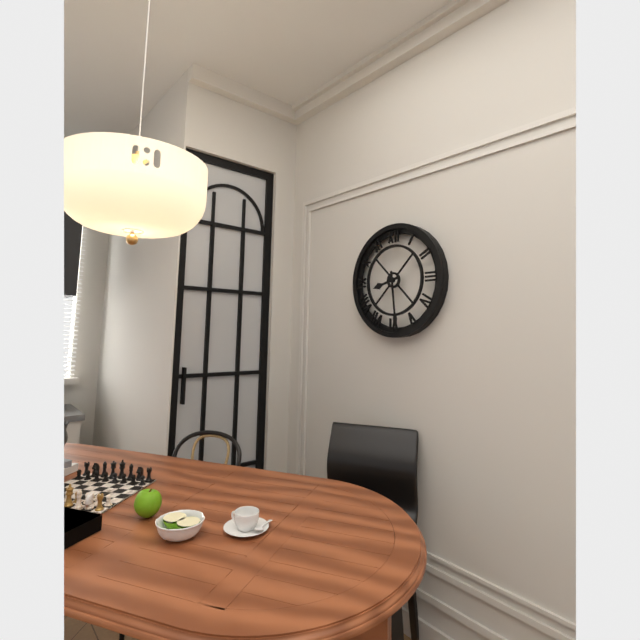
{"hour": 8, "minute": 29}
